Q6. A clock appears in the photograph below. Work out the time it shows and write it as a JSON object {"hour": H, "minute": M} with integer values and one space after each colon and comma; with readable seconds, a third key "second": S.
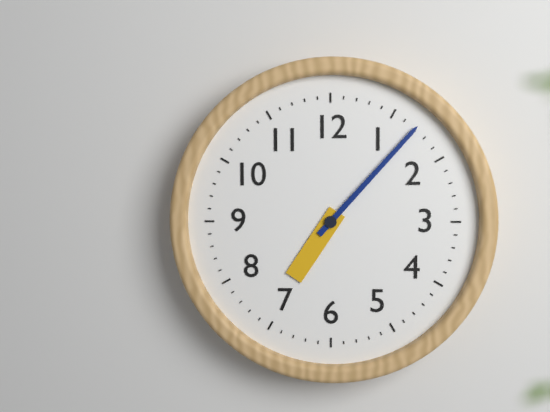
{"hour": 7, "minute": 7}
